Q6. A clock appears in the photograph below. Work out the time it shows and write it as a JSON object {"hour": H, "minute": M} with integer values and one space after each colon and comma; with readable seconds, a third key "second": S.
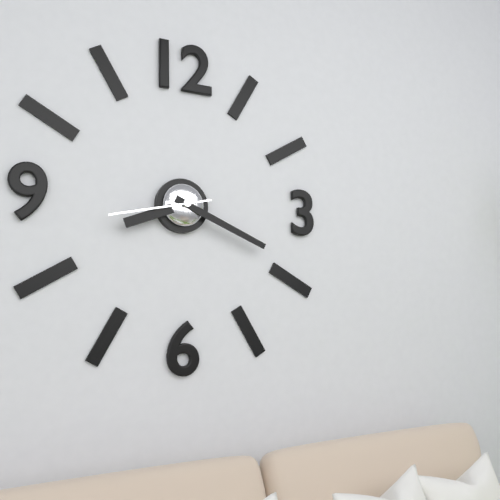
{"hour": 8, "minute": 19, "second": 43}
